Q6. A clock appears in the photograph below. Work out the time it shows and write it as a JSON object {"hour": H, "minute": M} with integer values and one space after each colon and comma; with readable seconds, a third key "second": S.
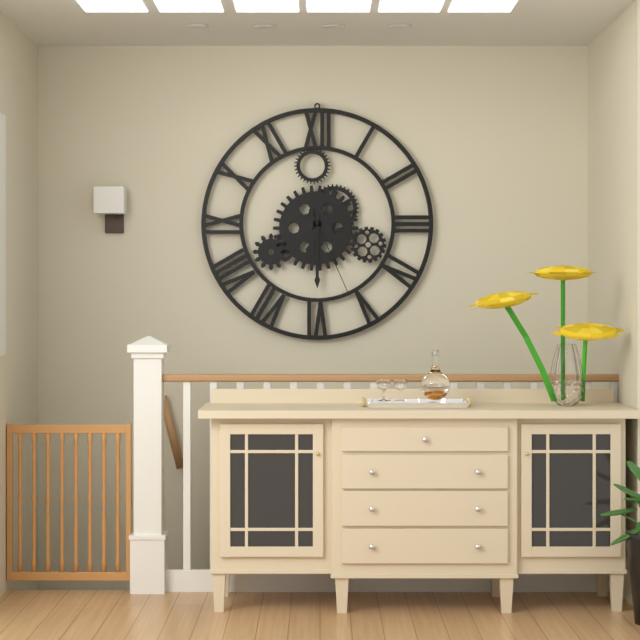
{"hour": 6, "minute": 30, "second": 26}
